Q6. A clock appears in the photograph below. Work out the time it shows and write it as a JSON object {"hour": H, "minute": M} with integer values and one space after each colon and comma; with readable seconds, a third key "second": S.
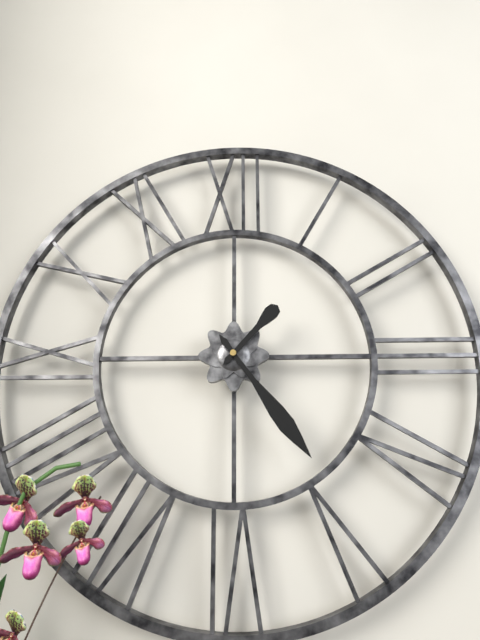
{"hour": 1, "minute": 24}
